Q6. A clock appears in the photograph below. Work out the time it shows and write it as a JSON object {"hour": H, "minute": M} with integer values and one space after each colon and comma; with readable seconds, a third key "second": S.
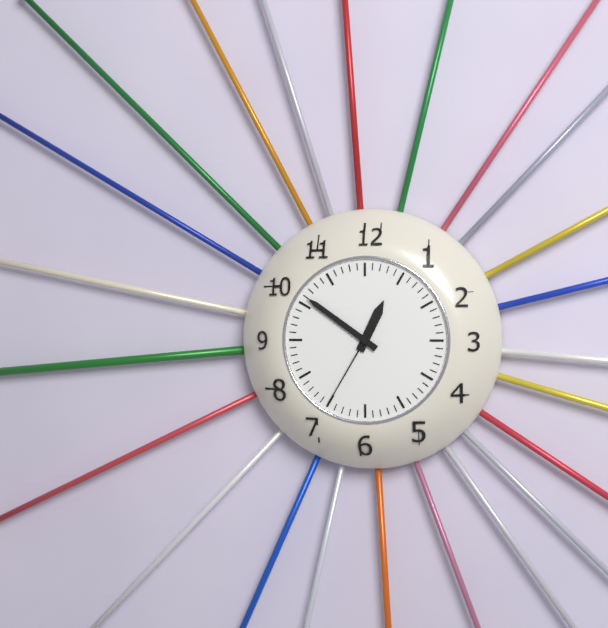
{"hour": 12, "minute": 51, "second": 35}
